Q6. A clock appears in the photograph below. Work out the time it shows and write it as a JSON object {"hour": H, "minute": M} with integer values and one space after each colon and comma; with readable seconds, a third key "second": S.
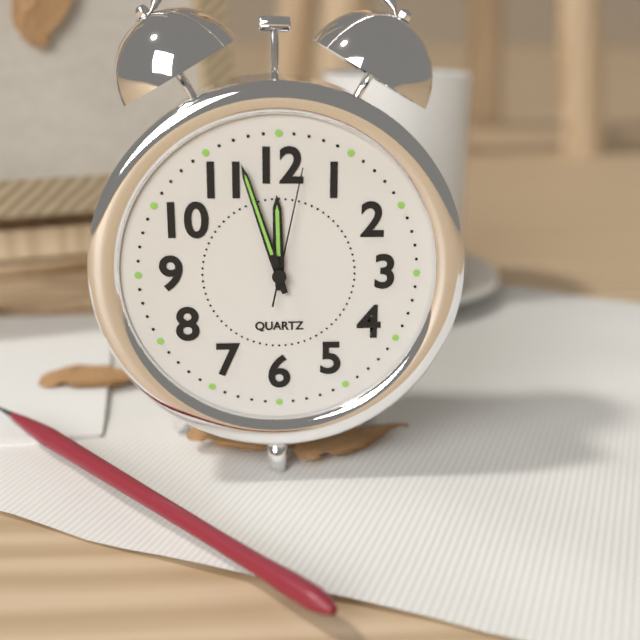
{"hour": 11, "minute": 57, "second": 2}
